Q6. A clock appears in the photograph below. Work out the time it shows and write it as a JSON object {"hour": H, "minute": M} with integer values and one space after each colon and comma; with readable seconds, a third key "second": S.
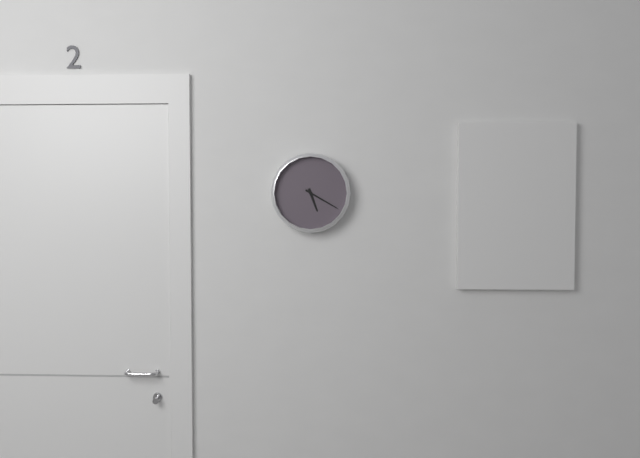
{"hour": 5, "minute": 20}
